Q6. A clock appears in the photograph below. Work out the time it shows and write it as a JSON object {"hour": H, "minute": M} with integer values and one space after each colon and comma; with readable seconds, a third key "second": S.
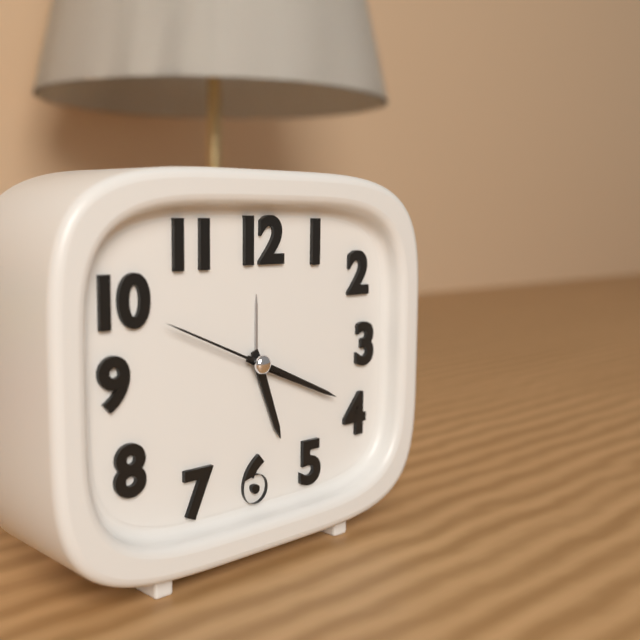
{"hour": 5, "minute": 19, "second": 49}
